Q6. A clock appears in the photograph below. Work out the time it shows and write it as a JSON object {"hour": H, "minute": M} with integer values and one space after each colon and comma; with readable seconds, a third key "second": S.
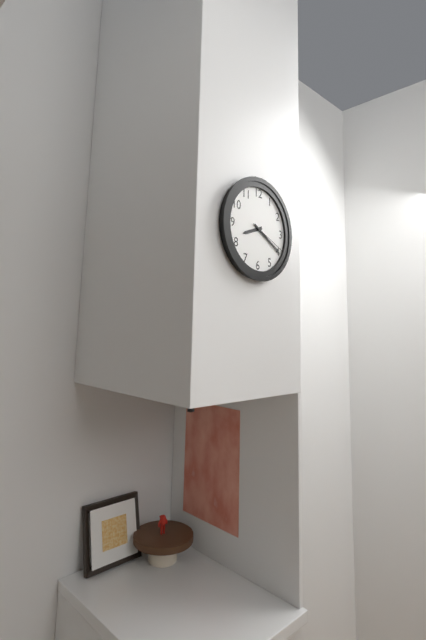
{"hour": 8, "minute": 20}
